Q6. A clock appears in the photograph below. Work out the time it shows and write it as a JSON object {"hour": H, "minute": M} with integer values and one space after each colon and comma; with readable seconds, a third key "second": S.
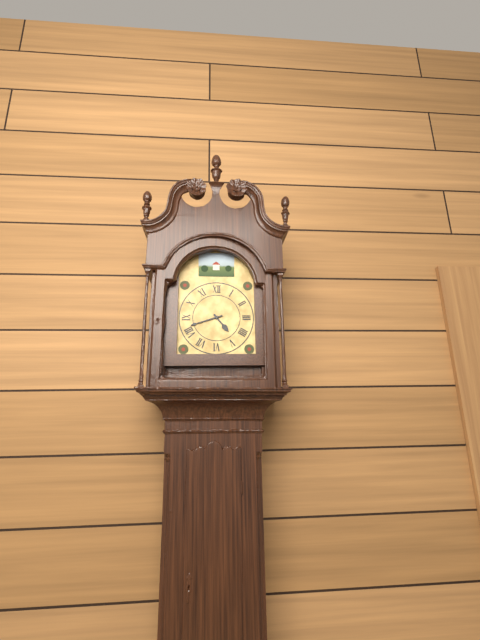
{"hour": 4, "minute": 42}
